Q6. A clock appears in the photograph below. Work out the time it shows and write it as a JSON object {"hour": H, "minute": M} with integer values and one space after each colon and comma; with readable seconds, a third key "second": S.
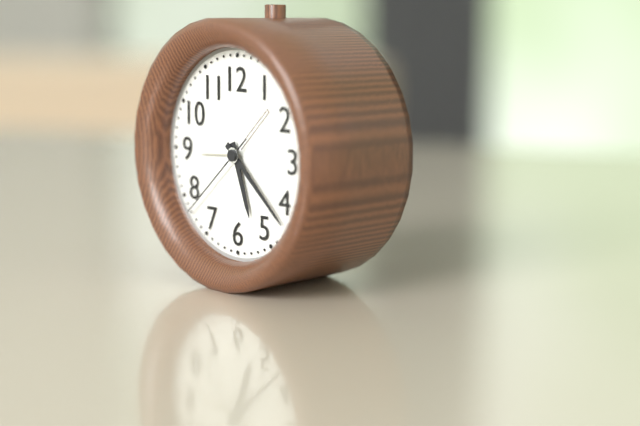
{"hour": 5, "minute": 22, "second": 38}
